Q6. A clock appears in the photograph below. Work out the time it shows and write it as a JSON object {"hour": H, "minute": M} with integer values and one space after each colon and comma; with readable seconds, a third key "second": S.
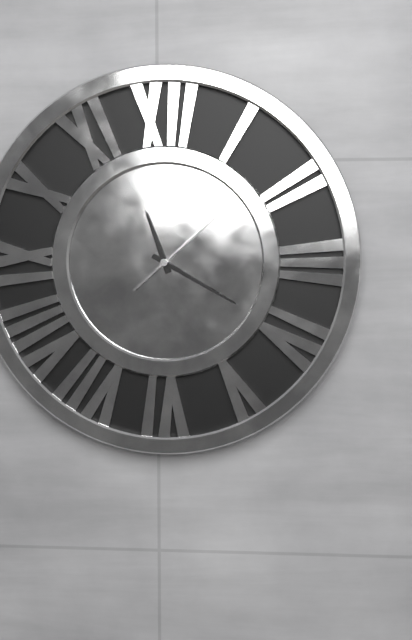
{"hour": 11, "minute": 20, "second": 8}
